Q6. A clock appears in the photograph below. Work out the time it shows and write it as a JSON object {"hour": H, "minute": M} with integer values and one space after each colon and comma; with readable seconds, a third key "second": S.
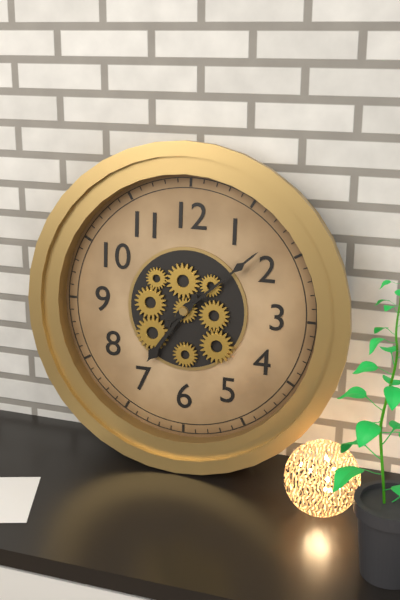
{"hour": 7, "minute": 8}
